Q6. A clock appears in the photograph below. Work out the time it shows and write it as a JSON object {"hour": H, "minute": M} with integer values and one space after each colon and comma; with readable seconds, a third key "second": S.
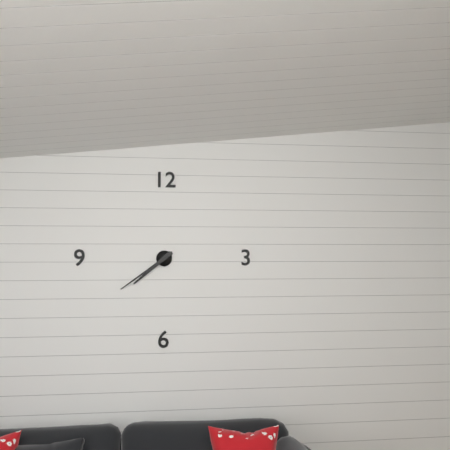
{"hour": 7, "minute": 39}
